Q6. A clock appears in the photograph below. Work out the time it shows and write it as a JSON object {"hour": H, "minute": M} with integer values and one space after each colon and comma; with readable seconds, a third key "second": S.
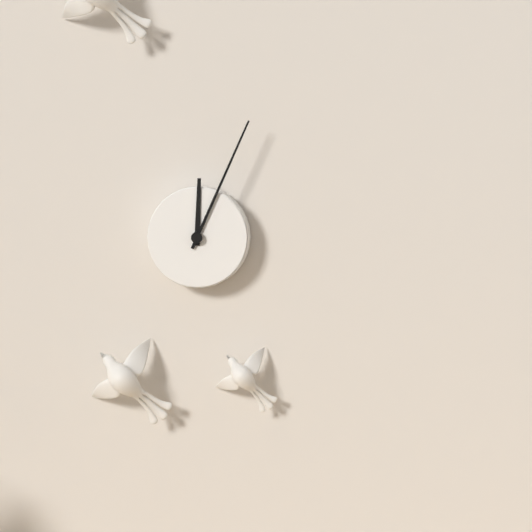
{"hour": 12, "minute": 4}
